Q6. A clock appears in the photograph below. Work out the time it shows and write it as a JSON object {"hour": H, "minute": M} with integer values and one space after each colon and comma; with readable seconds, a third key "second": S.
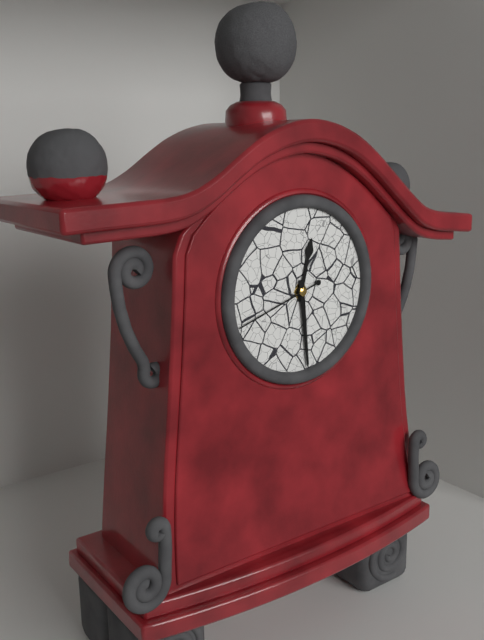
{"hour": 12, "minute": 29, "second": 42}
